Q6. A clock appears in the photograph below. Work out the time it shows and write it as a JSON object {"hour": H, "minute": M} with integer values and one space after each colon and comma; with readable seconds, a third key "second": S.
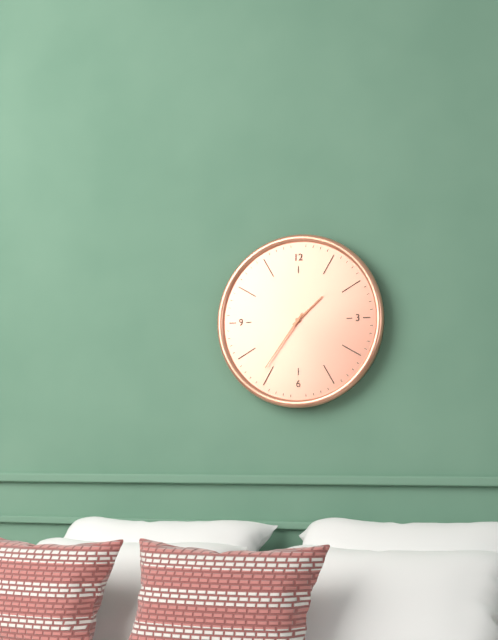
{"hour": 1, "minute": 36}
